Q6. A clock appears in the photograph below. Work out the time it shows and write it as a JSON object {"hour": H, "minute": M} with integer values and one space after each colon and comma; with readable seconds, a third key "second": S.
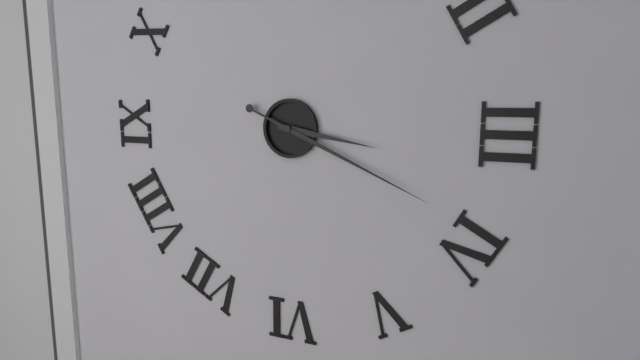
{"hour": 3, "minute": 19}
